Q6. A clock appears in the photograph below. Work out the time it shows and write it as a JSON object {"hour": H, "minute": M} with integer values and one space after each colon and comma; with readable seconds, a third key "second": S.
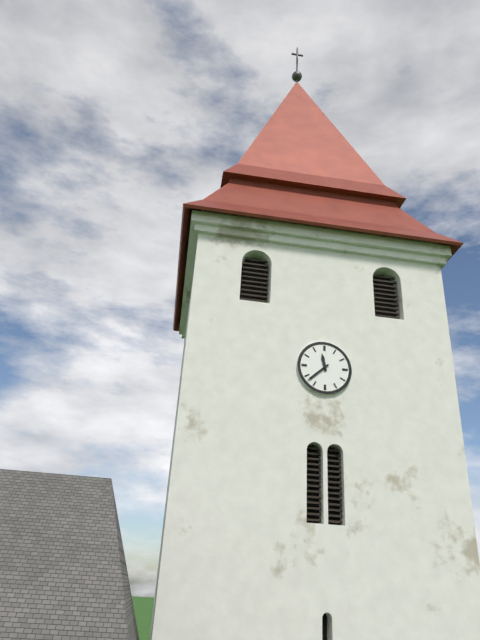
{"hour": 11, "minute": 38}
